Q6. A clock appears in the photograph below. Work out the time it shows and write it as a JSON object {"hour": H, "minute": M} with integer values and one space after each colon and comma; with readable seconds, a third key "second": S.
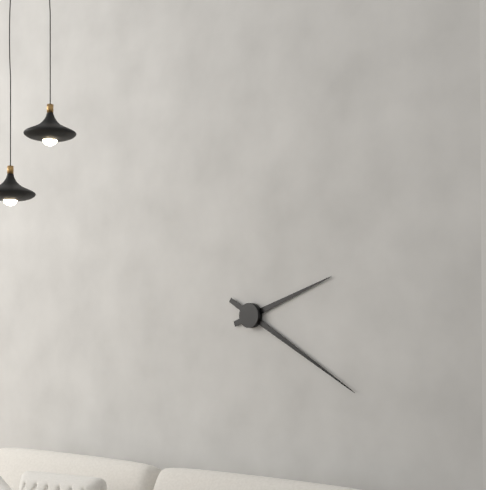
{"hour": 2, "minute": 20}
